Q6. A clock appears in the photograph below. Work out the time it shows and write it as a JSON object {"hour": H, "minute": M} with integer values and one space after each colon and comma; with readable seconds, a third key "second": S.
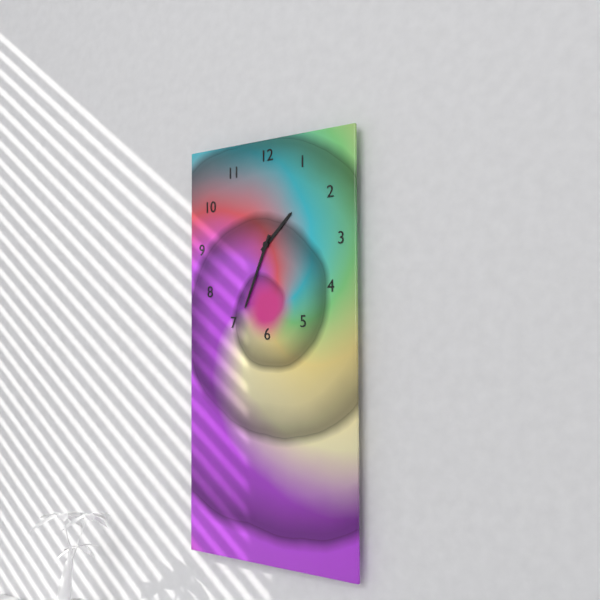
{"hour": 1, "minute": 34}
